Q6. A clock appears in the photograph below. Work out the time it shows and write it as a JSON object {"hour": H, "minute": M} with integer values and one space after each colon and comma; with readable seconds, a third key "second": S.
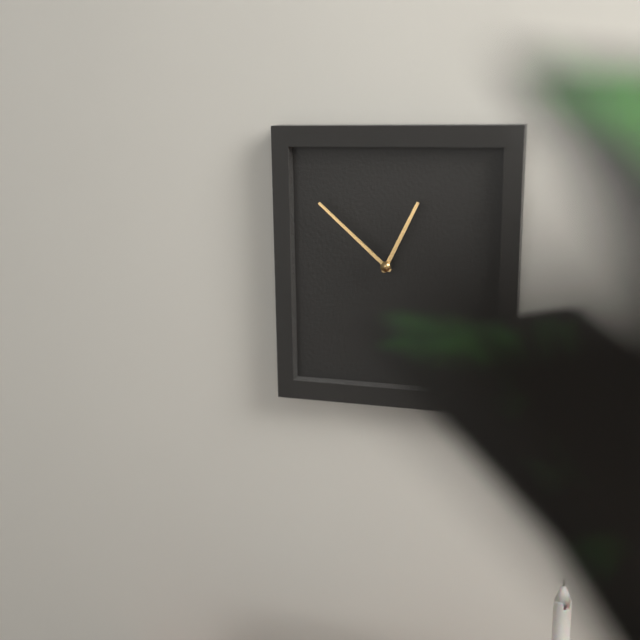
{"hour": 12, "minute": 52}
